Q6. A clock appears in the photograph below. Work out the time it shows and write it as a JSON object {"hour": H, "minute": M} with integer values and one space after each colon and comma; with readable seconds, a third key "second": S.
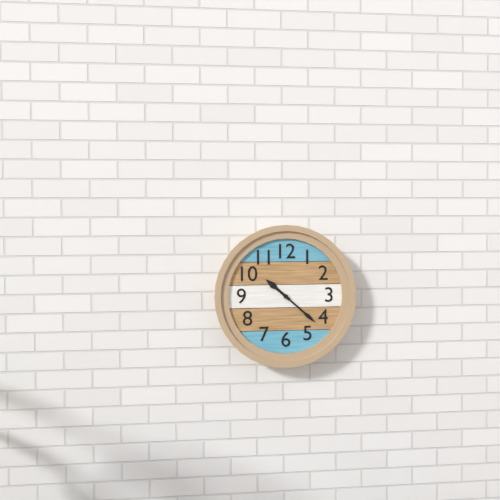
{"hour": 10, "minute": 22}
